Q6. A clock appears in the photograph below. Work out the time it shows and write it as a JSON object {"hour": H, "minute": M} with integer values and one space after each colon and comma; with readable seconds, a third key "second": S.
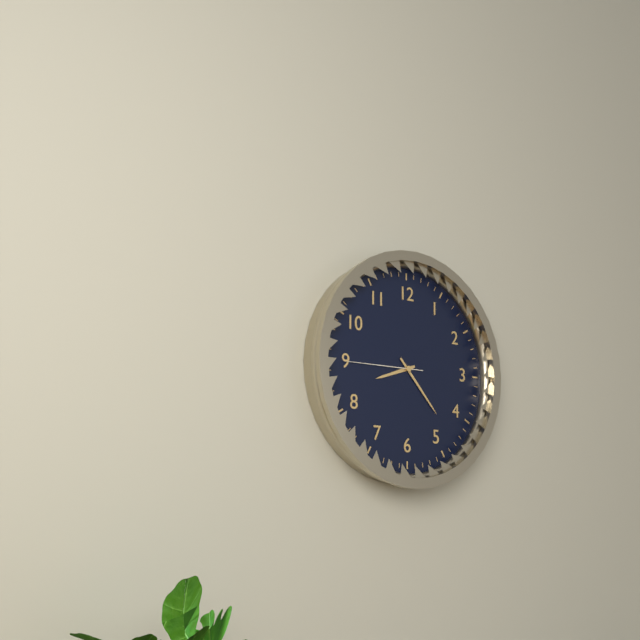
{"hour": 8, "minute": 23, "second": 45}
